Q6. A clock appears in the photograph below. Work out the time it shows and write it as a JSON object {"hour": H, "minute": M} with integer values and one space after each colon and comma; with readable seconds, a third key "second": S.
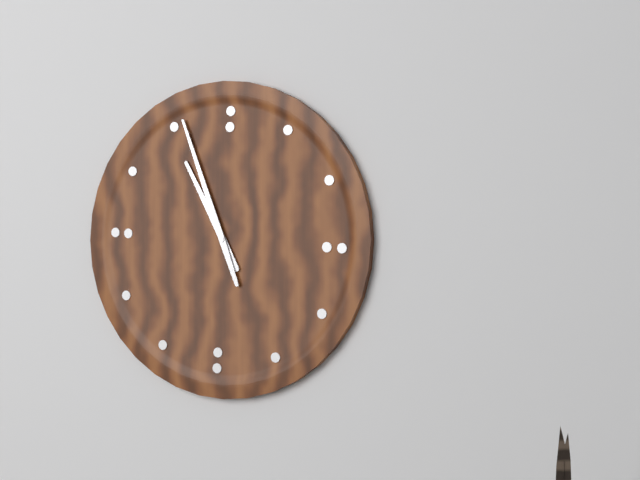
{"hour": 10, "minute": 56}
